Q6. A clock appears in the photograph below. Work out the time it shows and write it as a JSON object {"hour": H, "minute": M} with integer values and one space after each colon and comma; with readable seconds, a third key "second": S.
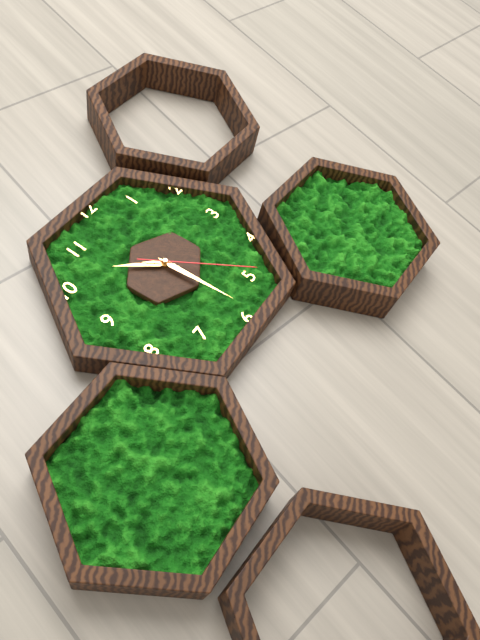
{"hour": 10, "minute": 29, "second": 24}
